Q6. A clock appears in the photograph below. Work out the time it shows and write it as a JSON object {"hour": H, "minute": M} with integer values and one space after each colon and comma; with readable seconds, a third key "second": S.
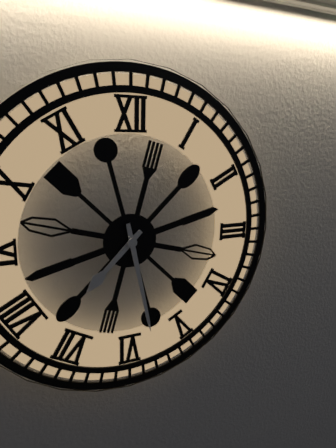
{"hour": 7, "minute": 28}
